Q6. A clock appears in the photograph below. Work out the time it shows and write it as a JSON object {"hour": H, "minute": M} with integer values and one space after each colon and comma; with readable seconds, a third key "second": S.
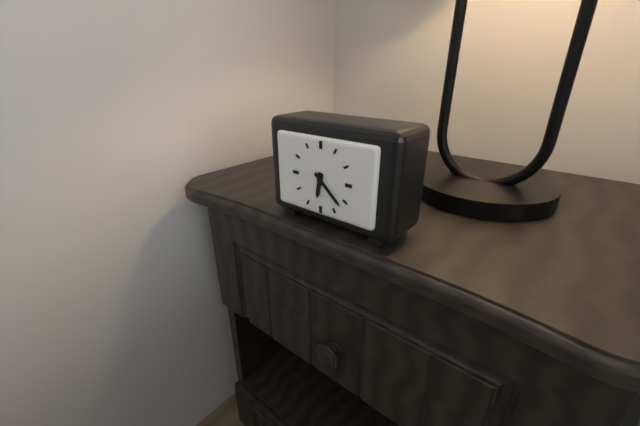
{"hour": 6, "minute": 22}
